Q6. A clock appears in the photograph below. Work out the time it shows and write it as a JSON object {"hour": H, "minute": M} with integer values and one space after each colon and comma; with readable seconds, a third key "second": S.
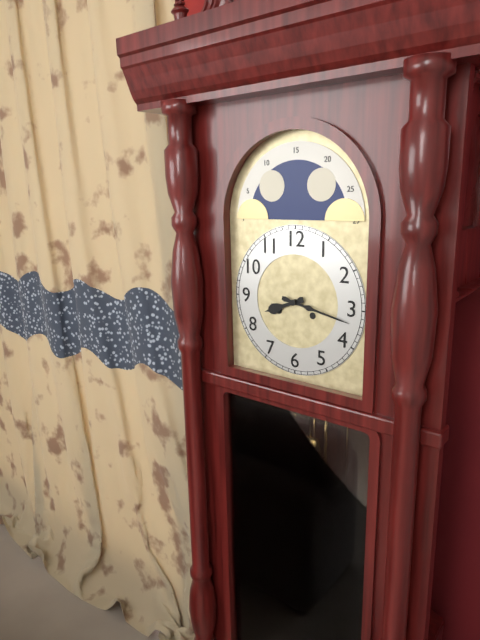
{"hour": 8, "minute": 17}
